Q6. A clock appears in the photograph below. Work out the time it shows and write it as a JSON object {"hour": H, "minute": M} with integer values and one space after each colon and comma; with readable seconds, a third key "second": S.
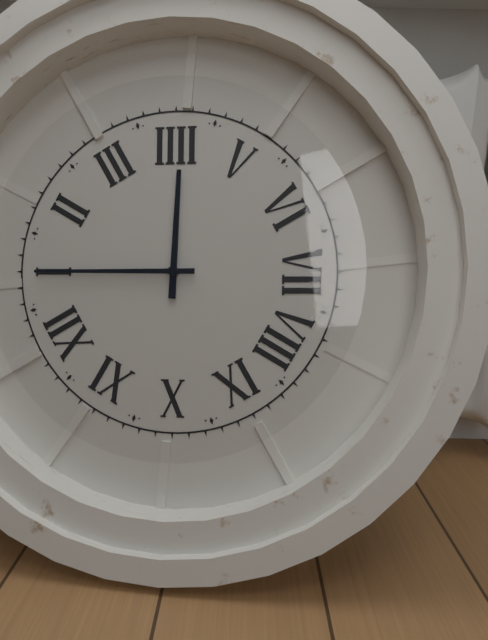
{"hour": 4, "minute": 5}
